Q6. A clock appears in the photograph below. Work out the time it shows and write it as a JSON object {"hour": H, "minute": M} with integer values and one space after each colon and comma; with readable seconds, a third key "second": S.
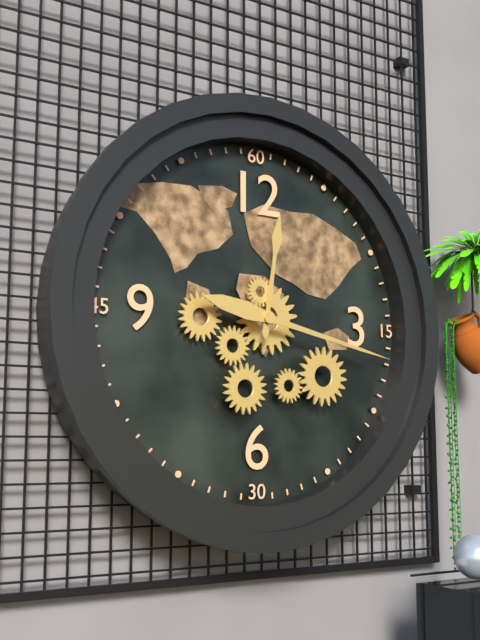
{"hour": 12, "minute": 17}
